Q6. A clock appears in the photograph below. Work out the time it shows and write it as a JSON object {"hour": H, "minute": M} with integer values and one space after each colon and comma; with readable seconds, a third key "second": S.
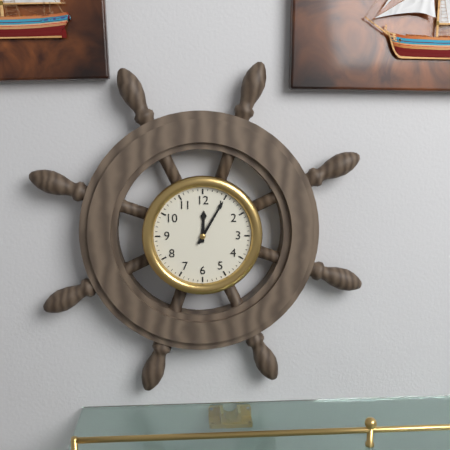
{"hour": 12, "minute": 5}
